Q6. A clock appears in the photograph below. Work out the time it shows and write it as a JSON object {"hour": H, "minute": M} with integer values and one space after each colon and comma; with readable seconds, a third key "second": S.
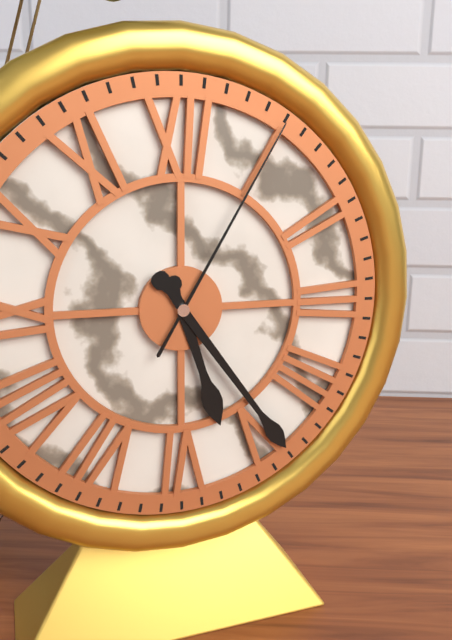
{"hour": 5, "minute": 24, "second": 5}
